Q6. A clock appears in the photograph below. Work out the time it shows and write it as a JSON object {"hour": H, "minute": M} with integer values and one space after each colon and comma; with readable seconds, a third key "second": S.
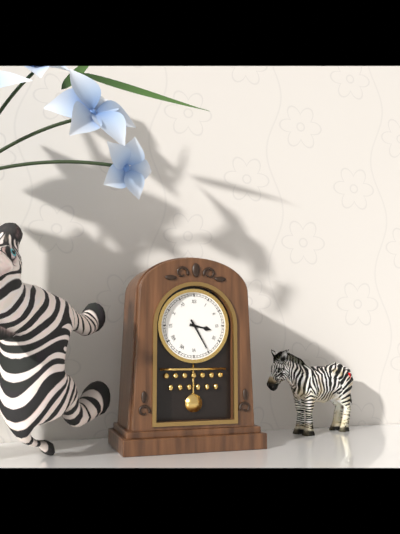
{"hour": 3, "minute": 25}
